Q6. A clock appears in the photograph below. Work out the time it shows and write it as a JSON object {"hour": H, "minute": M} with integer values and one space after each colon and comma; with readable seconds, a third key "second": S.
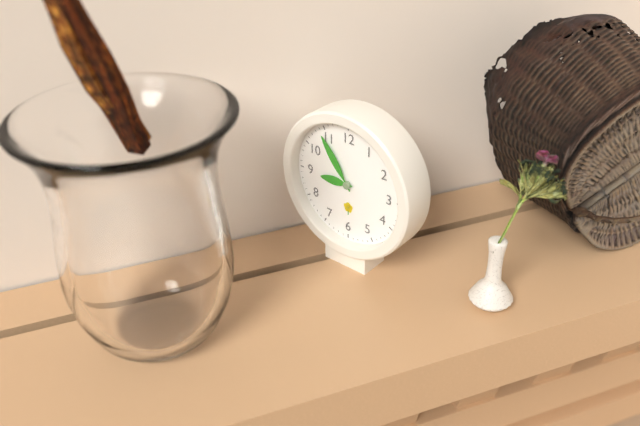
{"hour": 8, "minute": 54}
